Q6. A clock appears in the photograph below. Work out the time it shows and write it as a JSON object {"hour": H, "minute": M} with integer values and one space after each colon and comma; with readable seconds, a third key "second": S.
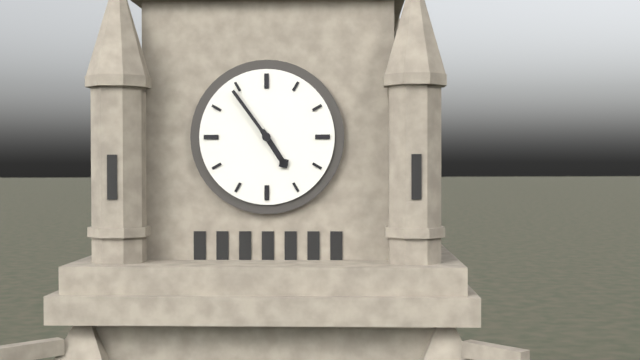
{"hour": 4, "minute": 54}
